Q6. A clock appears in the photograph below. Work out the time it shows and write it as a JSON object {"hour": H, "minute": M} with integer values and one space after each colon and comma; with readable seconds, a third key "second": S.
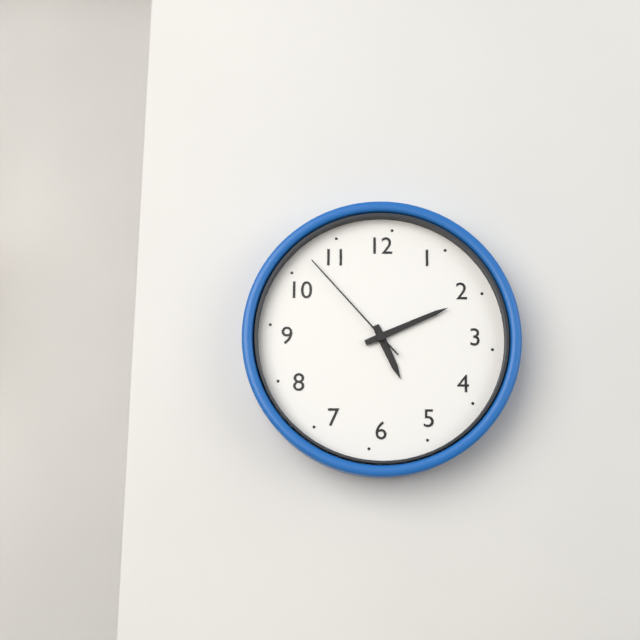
{"hour": 5, "minute": 11, "second": 53}
